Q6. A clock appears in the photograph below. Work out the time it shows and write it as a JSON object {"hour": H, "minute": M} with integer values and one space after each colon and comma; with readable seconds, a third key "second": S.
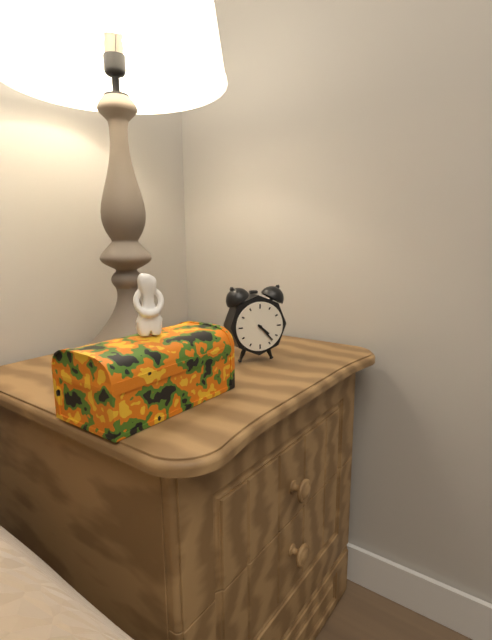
{"hour": 4, "minute": 23}
